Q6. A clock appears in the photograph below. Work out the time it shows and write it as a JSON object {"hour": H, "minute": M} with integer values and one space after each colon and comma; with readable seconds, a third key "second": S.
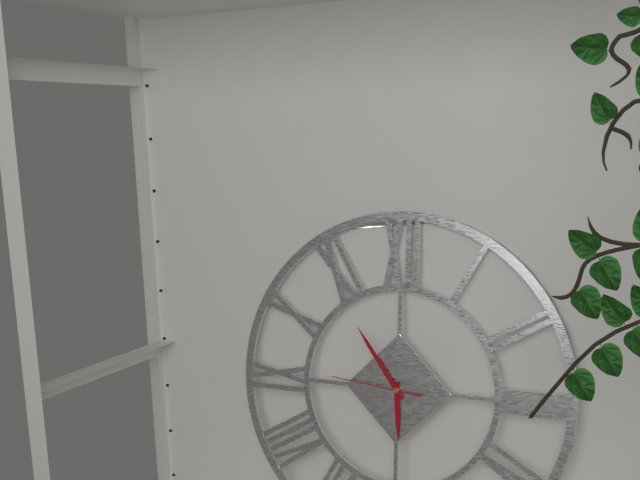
{"hour": 5, "minute": 54, "second": 46}
